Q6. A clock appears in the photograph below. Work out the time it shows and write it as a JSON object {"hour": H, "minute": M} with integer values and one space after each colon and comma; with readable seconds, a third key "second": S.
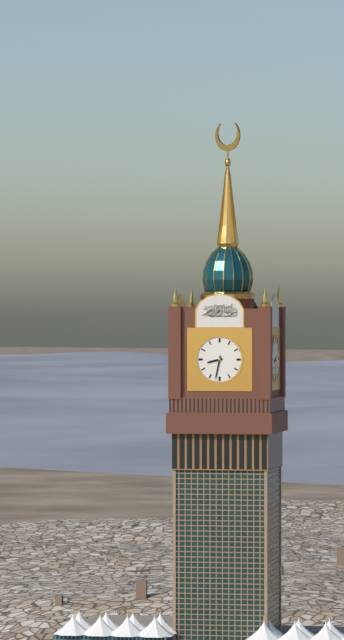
{"hour": 8, "minute": 32}
